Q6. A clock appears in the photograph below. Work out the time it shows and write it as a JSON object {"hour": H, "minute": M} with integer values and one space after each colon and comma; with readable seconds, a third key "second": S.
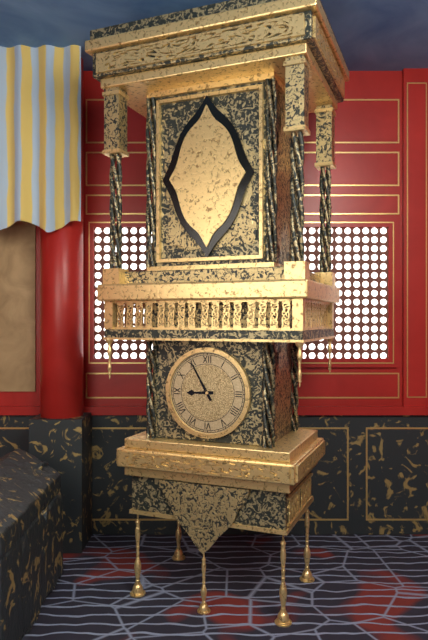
{"hour": 8, "minute": 55}
